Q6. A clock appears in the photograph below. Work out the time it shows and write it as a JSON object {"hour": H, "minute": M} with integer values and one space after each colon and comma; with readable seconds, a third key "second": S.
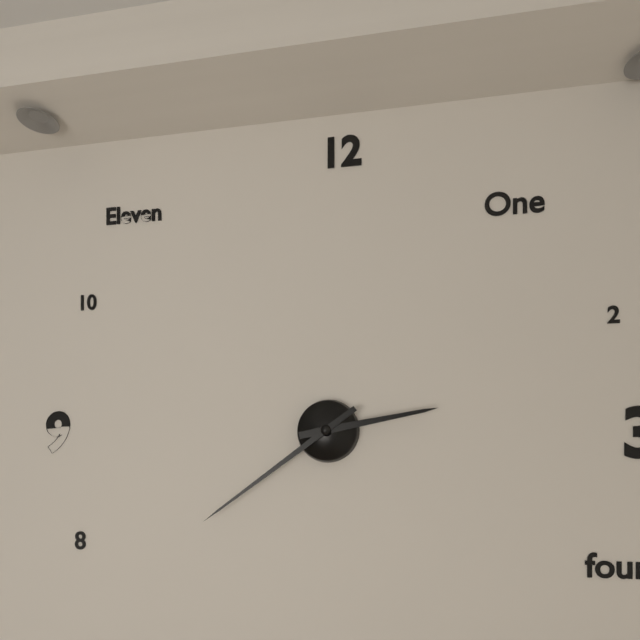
{"hour": 2, "minute": 39}
